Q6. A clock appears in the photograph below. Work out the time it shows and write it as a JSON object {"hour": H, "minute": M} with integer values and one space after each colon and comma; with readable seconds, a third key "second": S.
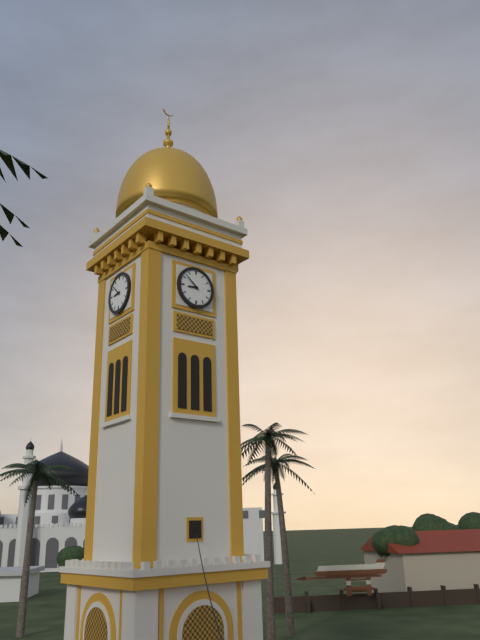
{"hour": 8, "minute": 52}
